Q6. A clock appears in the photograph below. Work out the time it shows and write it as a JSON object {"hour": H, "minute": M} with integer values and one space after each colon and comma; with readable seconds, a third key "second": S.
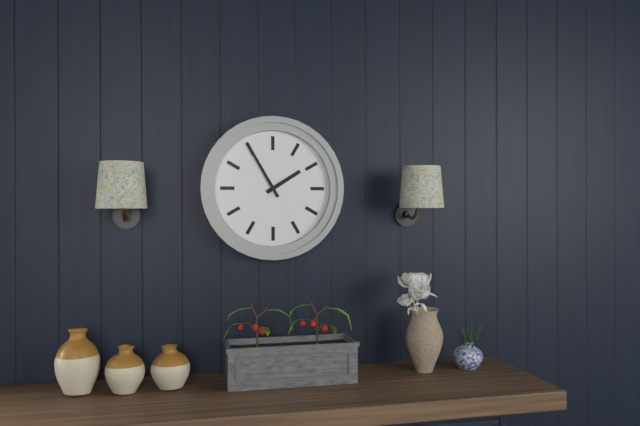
{"hour": 1, "minute": 55}
